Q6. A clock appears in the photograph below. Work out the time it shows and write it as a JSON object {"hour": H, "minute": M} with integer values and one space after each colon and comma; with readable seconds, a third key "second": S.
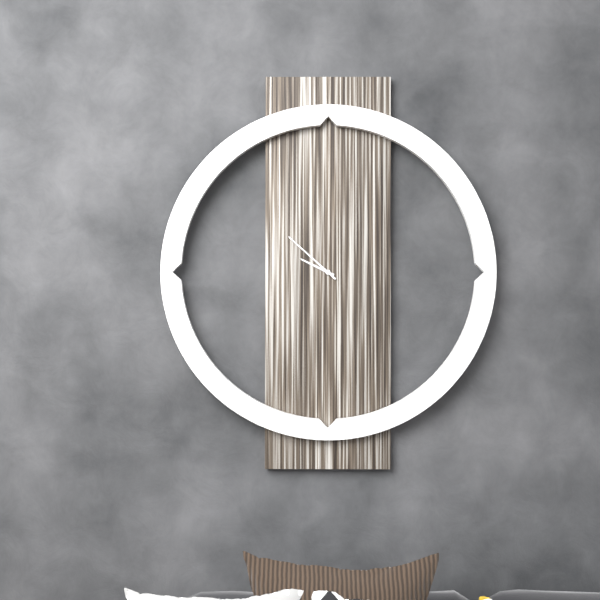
{"hour": 9, "minute": 52}
